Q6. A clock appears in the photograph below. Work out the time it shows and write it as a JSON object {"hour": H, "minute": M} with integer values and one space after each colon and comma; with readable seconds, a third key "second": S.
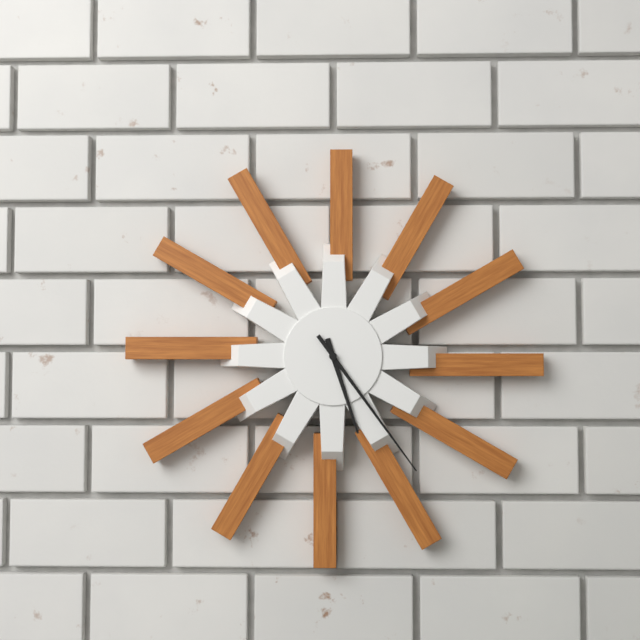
{"hour": 5, "minute": 24}
